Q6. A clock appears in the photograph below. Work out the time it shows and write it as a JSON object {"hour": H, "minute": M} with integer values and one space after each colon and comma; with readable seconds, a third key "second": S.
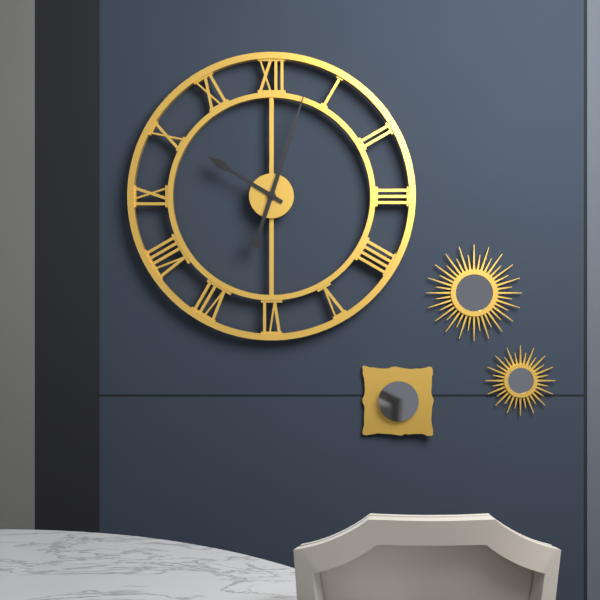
{"hour": 10, "minute": 3}
